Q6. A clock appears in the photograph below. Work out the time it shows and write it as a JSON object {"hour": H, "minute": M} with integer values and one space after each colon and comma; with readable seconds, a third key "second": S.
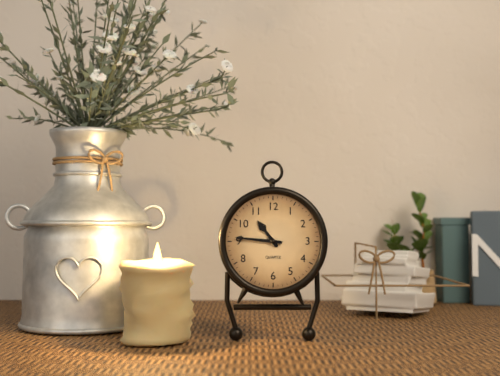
{"hour": 10, "minute": 46}
